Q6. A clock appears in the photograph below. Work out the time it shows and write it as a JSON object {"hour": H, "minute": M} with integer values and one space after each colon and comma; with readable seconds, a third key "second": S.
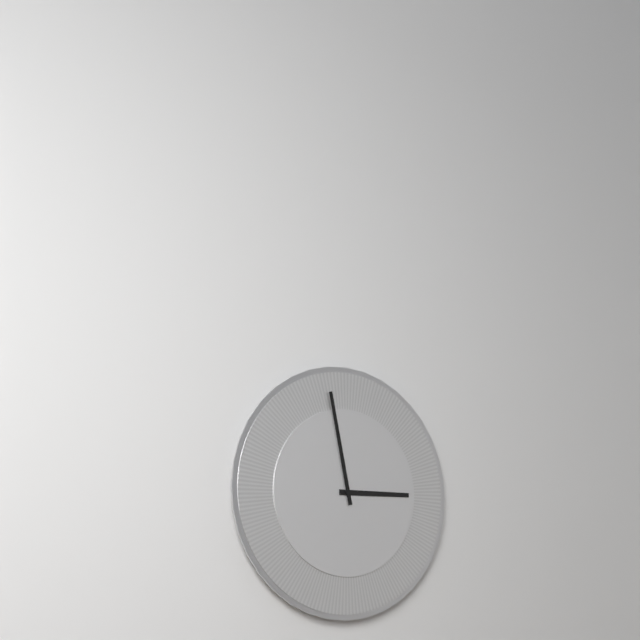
{"hour": 2, "minute": 58}
